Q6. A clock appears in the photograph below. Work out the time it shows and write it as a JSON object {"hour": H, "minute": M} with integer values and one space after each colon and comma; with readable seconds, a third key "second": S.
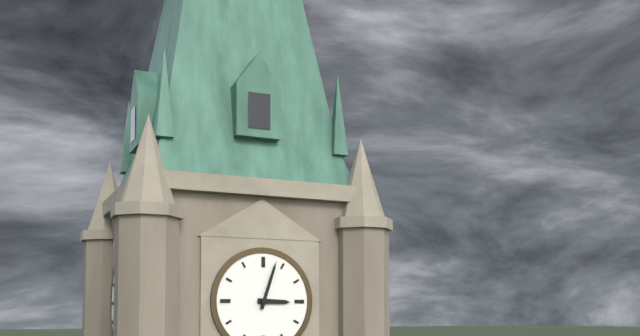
{"hour": 3, "minute": 3}
